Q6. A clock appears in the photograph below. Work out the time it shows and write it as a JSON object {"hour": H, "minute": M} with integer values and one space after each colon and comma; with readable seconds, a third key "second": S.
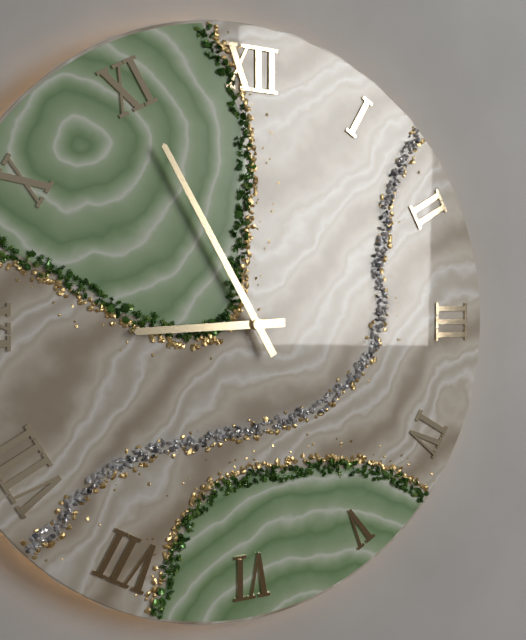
{"hour": 8, "minute": 55}
